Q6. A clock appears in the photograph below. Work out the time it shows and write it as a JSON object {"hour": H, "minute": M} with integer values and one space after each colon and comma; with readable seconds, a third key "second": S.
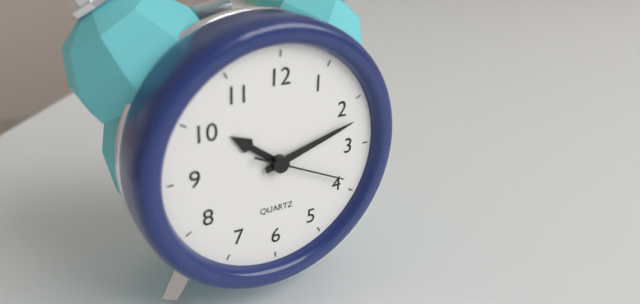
{"hour": 10, "minute": 12, "second": 19}
